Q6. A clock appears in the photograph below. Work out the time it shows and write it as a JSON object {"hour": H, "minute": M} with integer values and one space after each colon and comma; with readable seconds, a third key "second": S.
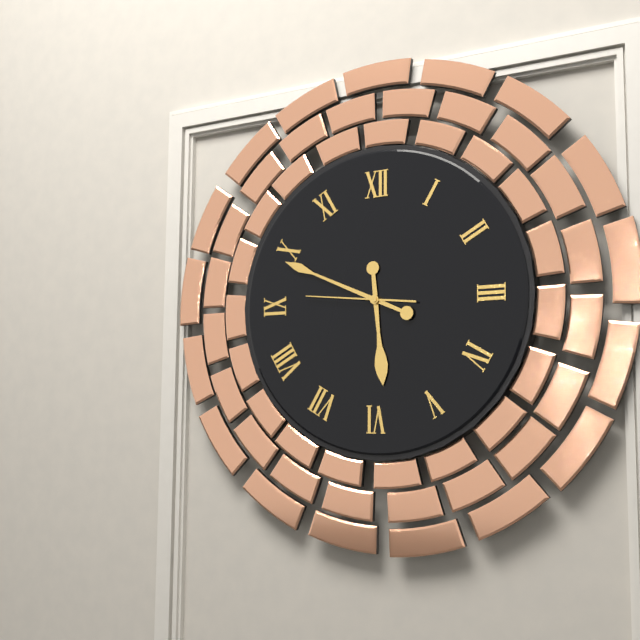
{"hour": 5, "minute": 49, "second": 46}
